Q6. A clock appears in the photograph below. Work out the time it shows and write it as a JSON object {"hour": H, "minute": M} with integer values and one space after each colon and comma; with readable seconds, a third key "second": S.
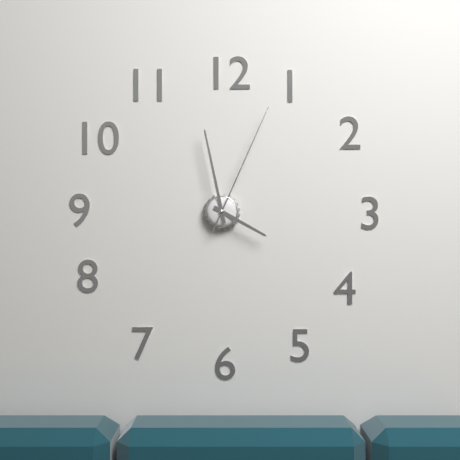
{"hour": 3, "minute": 58, "second": 4}
